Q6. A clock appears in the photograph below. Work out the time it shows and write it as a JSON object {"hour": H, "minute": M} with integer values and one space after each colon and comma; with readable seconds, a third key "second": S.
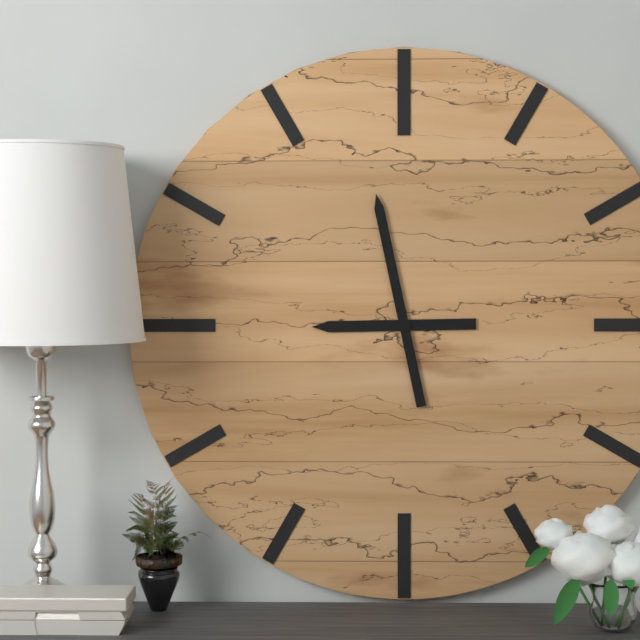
{"hour": 8, "minute": 58}
